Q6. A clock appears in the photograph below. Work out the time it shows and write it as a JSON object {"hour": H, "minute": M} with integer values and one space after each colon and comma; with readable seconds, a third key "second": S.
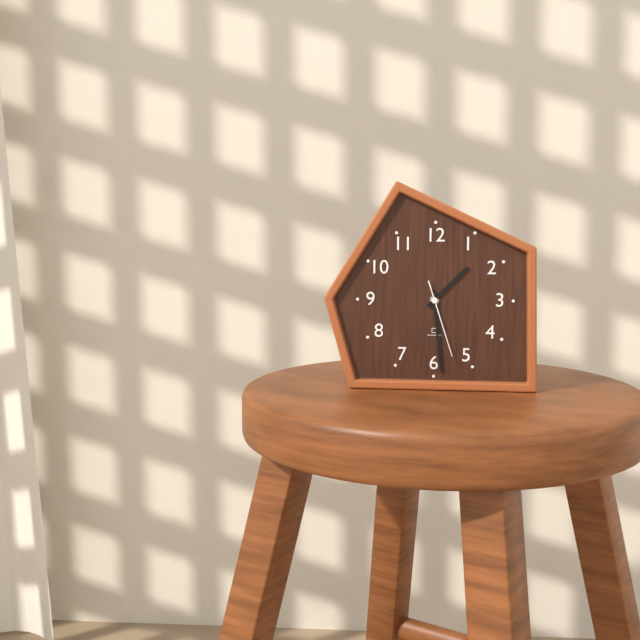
{"hour": 1, "minute": 29, "second": 27}
